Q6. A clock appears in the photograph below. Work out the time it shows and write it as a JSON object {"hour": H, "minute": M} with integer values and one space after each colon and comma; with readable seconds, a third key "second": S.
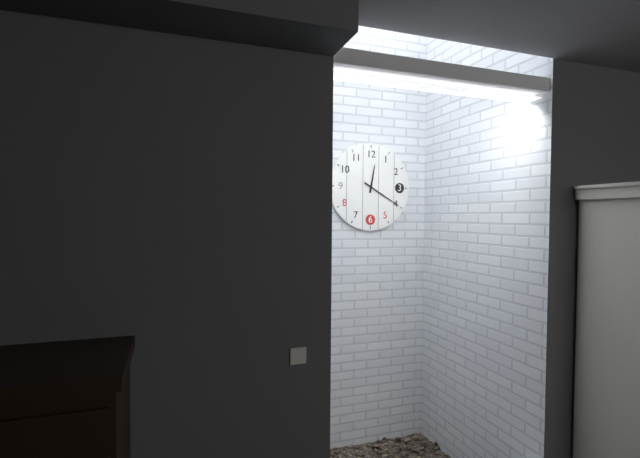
{"hour": 12, "minute": 20}
